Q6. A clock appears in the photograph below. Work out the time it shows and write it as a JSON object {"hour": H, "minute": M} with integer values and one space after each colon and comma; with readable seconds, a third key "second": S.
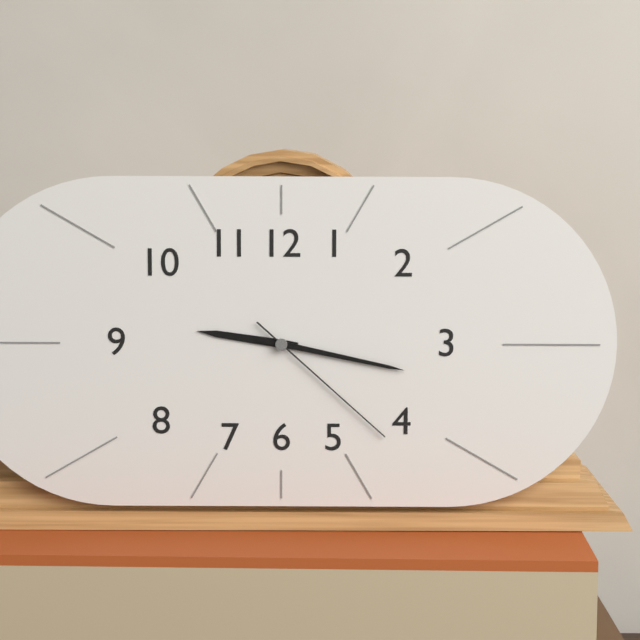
{"hour": 9, "minute": 17, "second": 22}
